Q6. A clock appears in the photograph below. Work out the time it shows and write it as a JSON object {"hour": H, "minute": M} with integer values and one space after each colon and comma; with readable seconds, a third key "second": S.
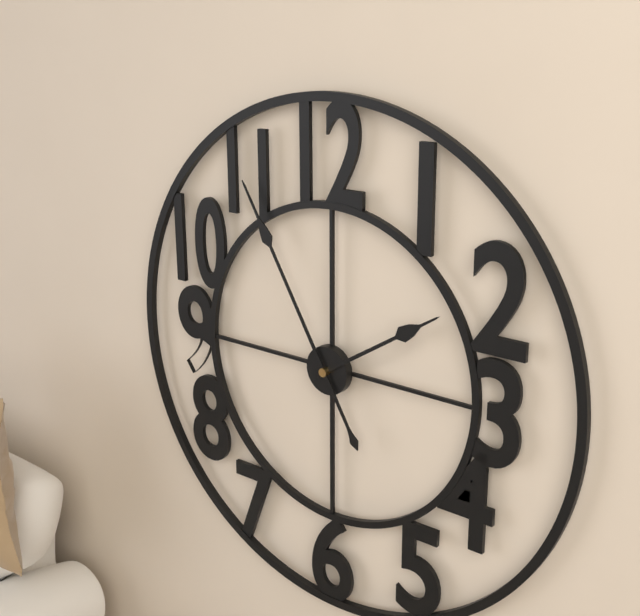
{"hour": 1, "minute": 55}
